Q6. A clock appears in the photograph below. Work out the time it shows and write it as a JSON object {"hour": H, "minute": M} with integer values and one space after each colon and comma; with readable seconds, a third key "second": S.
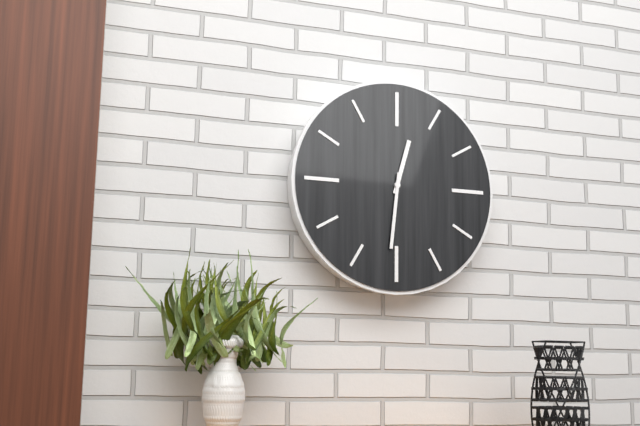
{"hour": 12, "minute": 31}
